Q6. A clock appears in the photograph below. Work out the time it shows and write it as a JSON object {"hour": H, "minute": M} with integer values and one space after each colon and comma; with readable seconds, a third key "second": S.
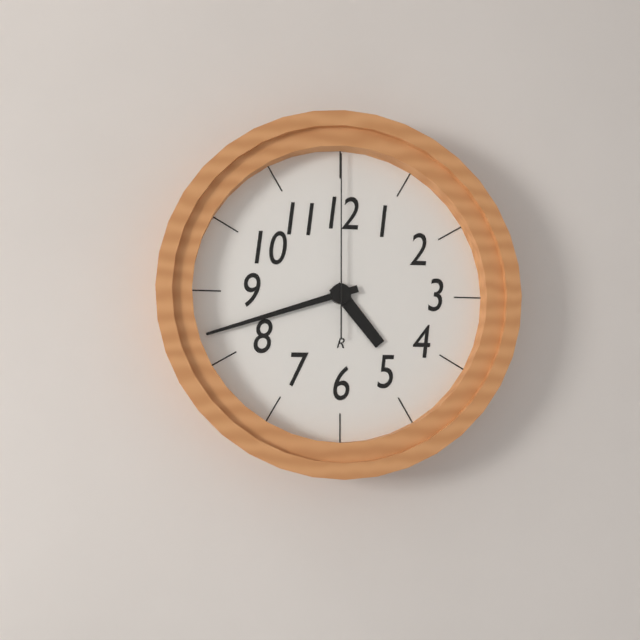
{"hour": 4, "minute": 42, "second": 0}
